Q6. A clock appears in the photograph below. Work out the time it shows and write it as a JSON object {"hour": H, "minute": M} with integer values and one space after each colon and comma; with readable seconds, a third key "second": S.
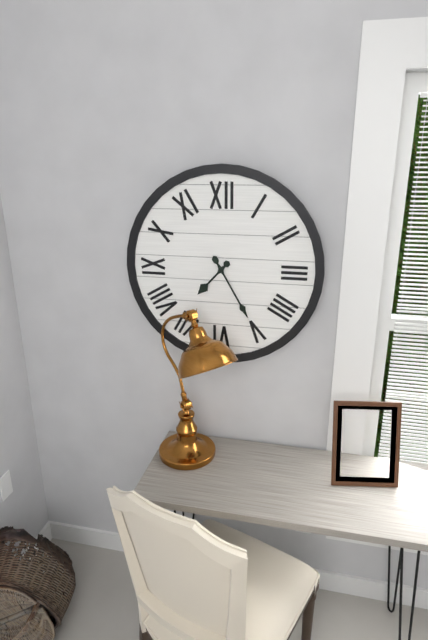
{"hour": 7, "minute": 25}
